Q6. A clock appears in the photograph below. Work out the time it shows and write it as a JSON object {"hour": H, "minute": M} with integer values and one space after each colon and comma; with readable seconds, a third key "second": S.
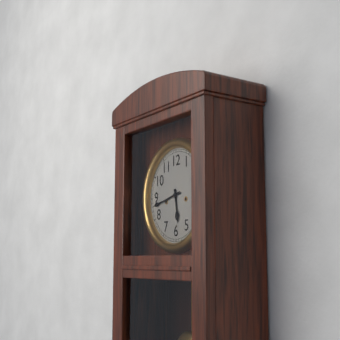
{"hour": 5, "minute": 43}
